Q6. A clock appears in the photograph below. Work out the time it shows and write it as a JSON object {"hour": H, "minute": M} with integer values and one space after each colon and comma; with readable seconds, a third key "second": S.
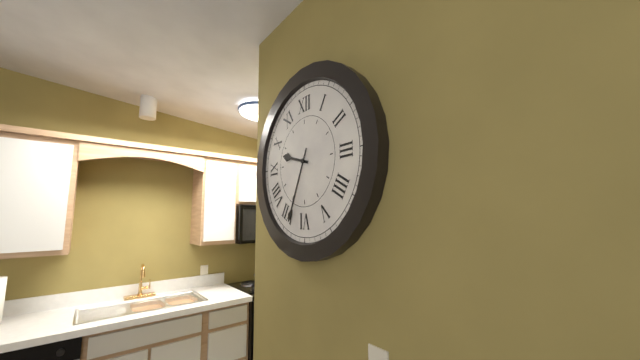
{"hour": 9, "minute": 34}
